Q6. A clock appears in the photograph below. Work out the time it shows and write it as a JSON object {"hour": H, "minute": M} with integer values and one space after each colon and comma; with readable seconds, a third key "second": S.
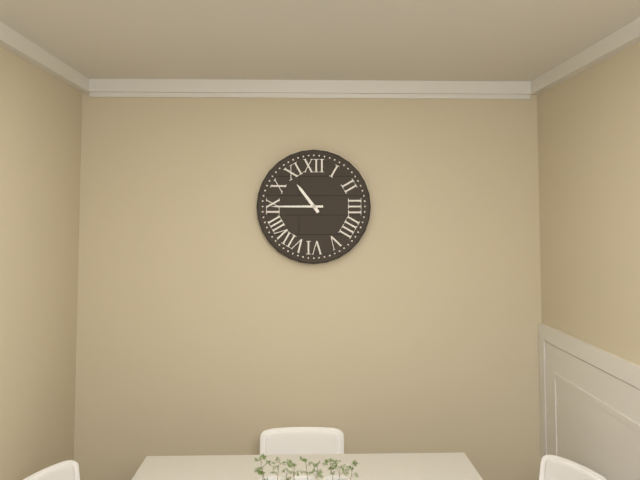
{"hour": 10, "minute": 45}
